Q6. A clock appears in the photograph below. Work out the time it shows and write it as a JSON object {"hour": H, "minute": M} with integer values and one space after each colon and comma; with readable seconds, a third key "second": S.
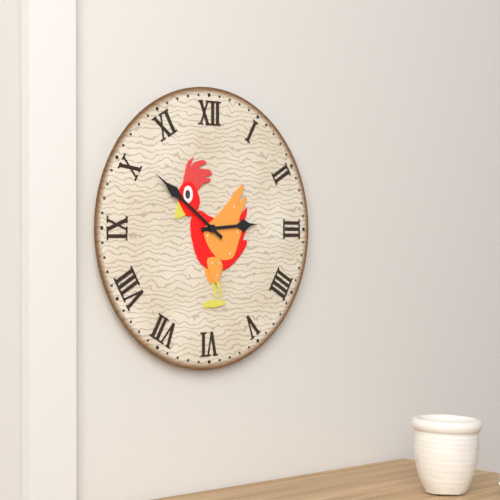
{"hour": 2, "minute": 51}
